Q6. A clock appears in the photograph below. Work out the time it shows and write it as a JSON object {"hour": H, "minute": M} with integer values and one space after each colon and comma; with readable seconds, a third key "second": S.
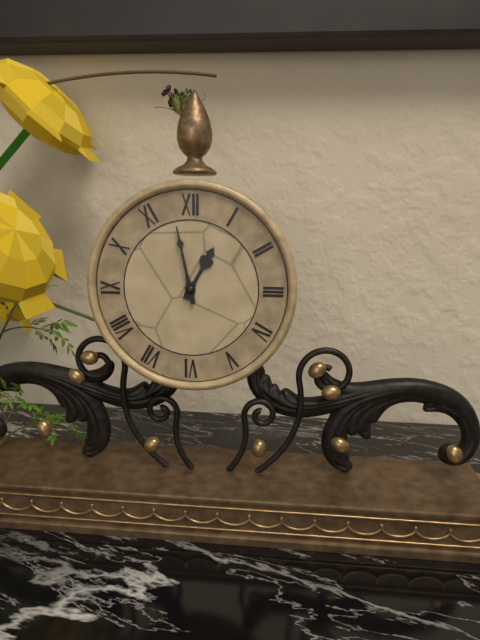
{"hour": 12, "minute": 58}
